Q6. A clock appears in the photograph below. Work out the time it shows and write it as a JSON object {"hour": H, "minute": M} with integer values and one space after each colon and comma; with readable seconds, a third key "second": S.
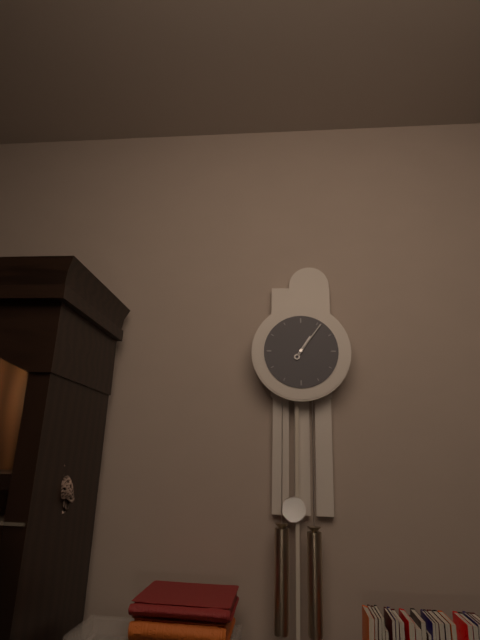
{"hour": 1, "minute": 6}
